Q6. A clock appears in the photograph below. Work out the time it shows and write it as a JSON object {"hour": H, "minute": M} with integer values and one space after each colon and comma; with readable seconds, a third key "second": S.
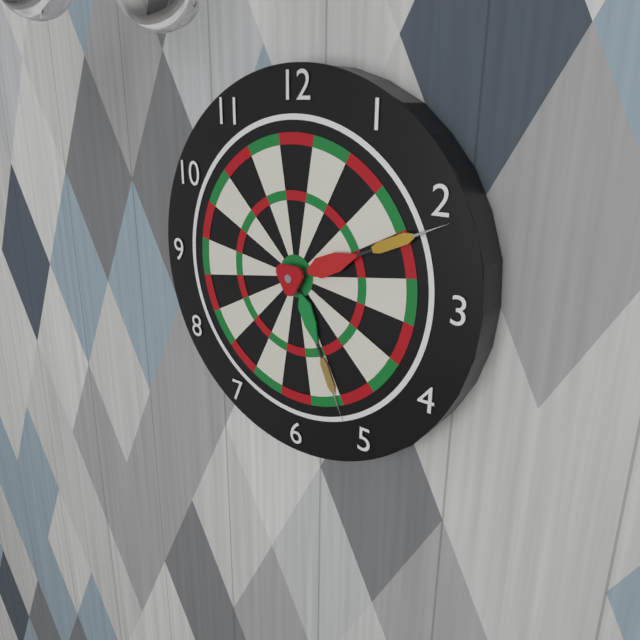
{"hour": 5, "minute": 11}
